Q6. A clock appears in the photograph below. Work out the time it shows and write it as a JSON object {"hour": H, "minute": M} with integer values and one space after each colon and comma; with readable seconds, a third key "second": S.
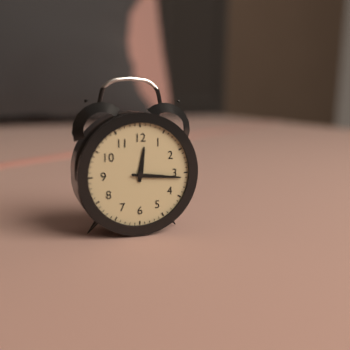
{"hour": 12, "minute": 16}
